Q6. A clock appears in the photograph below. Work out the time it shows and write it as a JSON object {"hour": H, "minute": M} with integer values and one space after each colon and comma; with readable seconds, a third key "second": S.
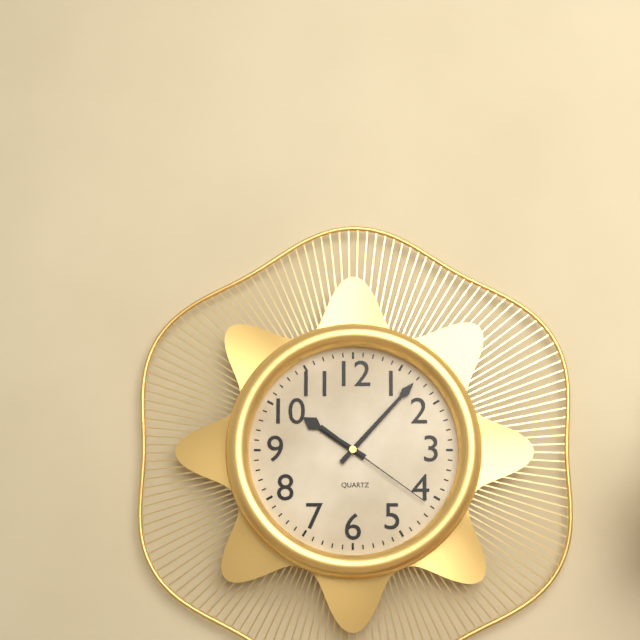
{"hour": 10, "minute": 7, "second": 21}
